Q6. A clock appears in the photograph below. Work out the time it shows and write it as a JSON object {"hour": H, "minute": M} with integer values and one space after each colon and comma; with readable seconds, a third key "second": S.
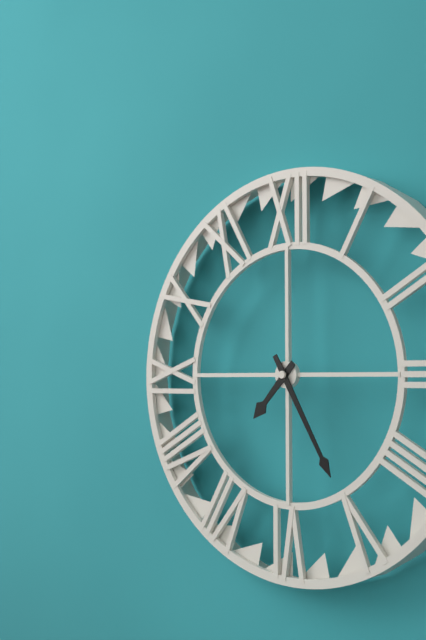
{"hour": 7, "minute": 25}
